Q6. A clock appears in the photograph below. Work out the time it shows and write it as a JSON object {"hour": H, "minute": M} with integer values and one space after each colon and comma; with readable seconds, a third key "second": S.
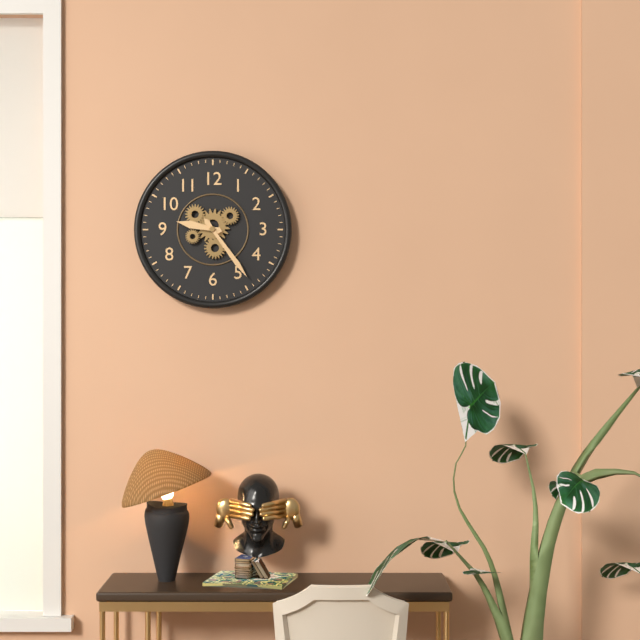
{"hour": 9, "minute": 24}
